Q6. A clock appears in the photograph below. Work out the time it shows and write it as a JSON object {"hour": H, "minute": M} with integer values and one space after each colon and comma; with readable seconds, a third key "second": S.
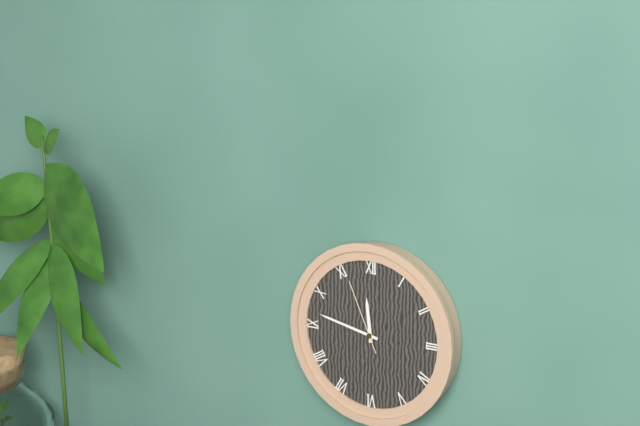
{"hour": 11, "minute": 47, "second": 56}
